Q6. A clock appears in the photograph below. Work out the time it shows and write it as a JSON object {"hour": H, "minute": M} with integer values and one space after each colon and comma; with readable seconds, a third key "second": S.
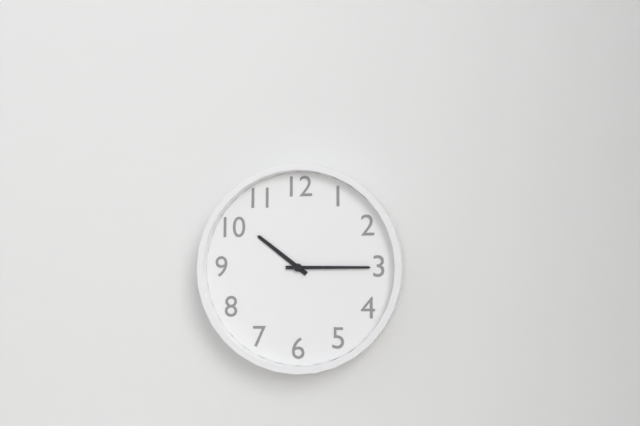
{"hour": 10, "minute": 15}
